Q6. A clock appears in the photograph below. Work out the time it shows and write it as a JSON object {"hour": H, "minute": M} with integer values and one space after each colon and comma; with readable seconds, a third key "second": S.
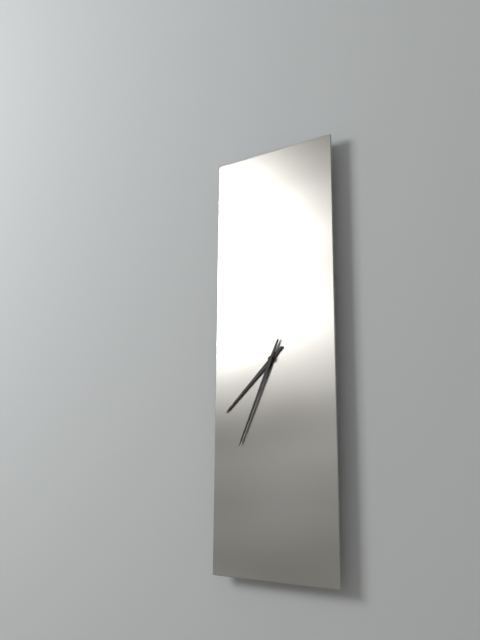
{"hour": 7, "minute": 34}
